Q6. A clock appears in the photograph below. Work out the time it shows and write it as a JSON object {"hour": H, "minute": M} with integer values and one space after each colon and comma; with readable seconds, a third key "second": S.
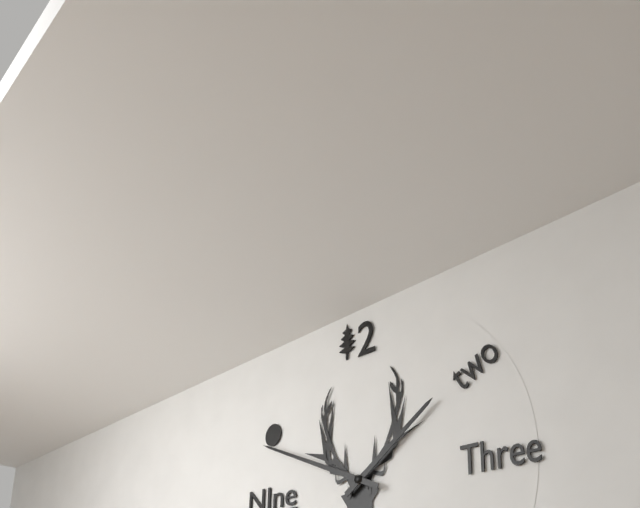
{"hour": 1, "minute": 49}
